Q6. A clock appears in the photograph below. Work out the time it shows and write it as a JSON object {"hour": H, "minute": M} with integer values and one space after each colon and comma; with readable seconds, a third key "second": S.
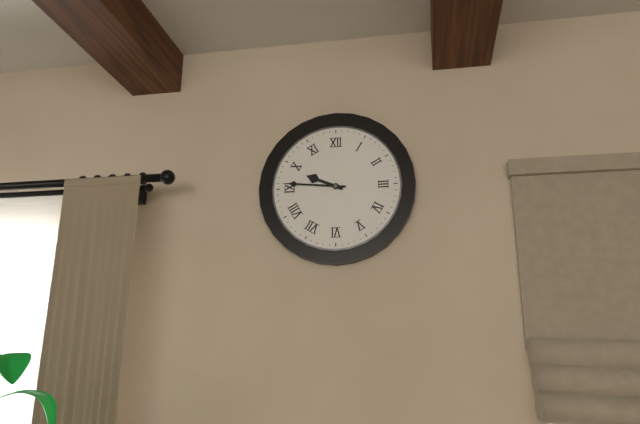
{"hour": 9, "minute": 46}
